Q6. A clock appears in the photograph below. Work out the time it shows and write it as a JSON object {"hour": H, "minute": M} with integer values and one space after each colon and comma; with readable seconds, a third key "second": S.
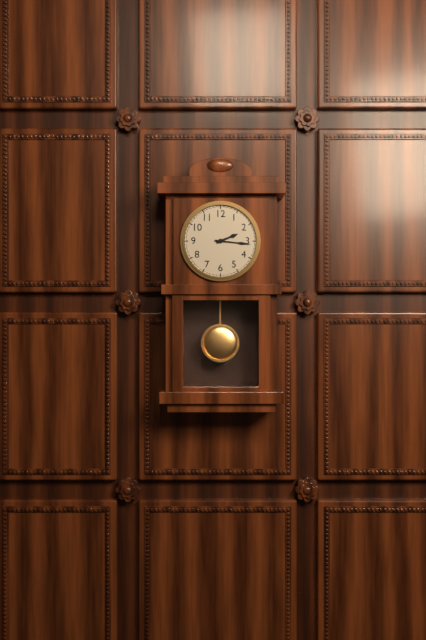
{"hour": 2, "minute": 16}
